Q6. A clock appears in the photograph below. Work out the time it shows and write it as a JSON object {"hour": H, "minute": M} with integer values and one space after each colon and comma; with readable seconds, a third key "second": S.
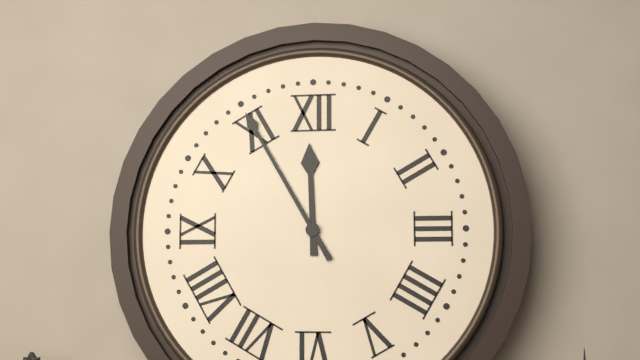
{"hour": 11, "minute": 55}
